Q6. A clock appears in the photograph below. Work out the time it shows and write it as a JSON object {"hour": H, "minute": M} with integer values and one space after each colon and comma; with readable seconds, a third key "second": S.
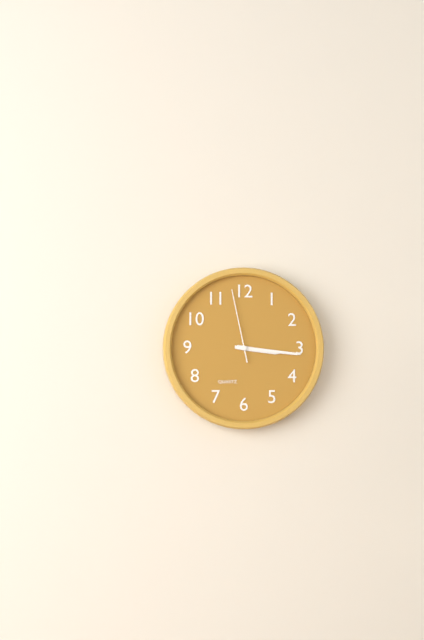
{"hour": 3, "minute": 16, "second": 58}
